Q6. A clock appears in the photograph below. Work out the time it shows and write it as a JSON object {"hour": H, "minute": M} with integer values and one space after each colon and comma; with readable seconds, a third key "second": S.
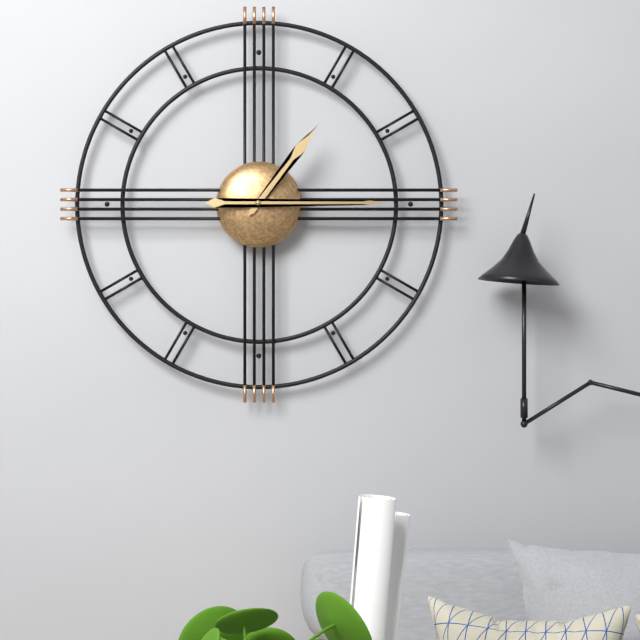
{"hour": 1, "minute": 15}
